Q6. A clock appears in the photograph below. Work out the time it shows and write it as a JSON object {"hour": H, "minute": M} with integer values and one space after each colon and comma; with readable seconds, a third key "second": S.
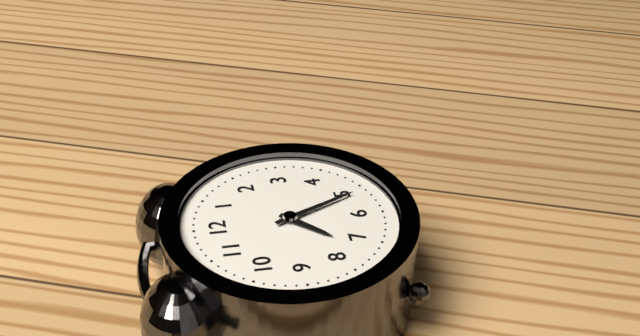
{"hour": 7, "minute": 26}
